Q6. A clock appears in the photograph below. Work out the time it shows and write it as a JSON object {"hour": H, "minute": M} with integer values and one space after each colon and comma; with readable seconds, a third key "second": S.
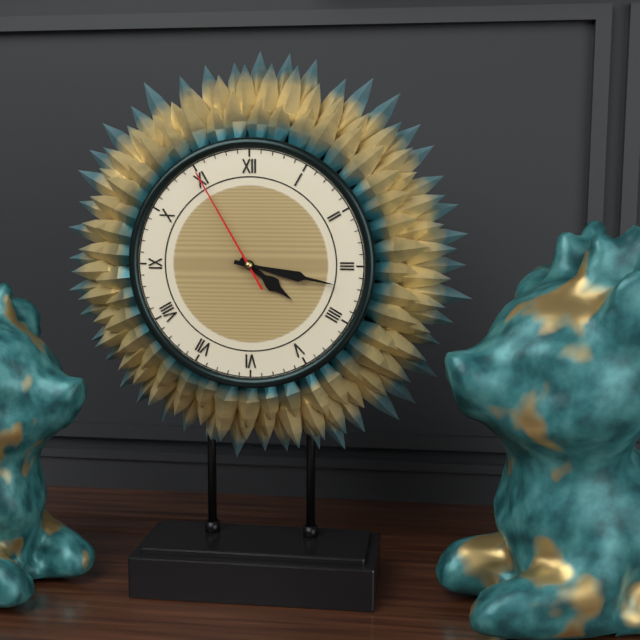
{"hour": 4, "minute": 17, "second": 55}
